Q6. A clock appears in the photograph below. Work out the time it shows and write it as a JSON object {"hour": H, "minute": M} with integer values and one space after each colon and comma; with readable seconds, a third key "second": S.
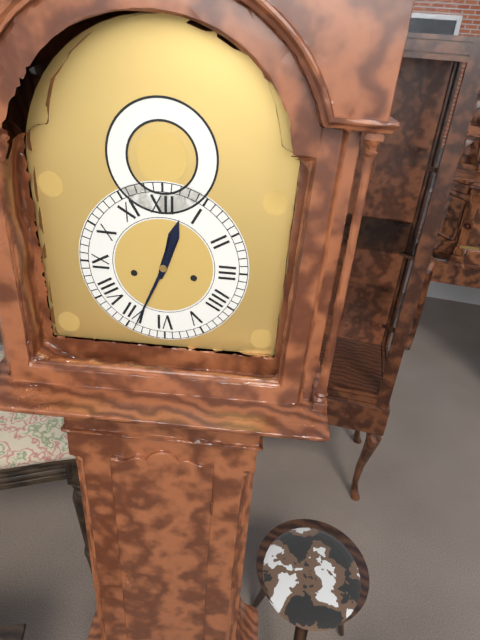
{"hour": 12, "minute": 34}
